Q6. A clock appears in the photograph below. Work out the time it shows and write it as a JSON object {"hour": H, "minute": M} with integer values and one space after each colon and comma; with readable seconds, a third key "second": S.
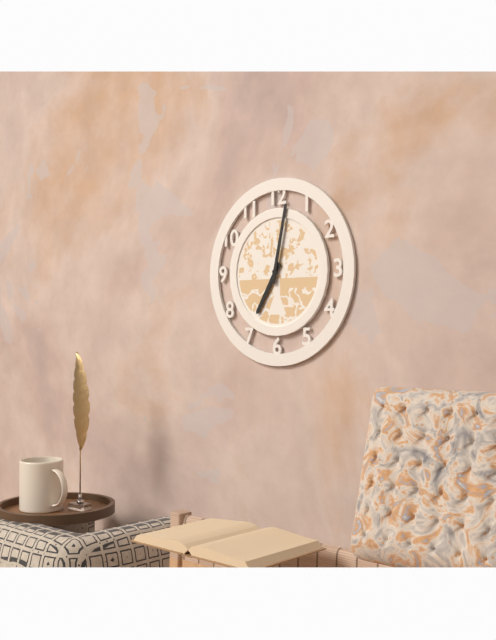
{"hour": 7, "minute": 2}
